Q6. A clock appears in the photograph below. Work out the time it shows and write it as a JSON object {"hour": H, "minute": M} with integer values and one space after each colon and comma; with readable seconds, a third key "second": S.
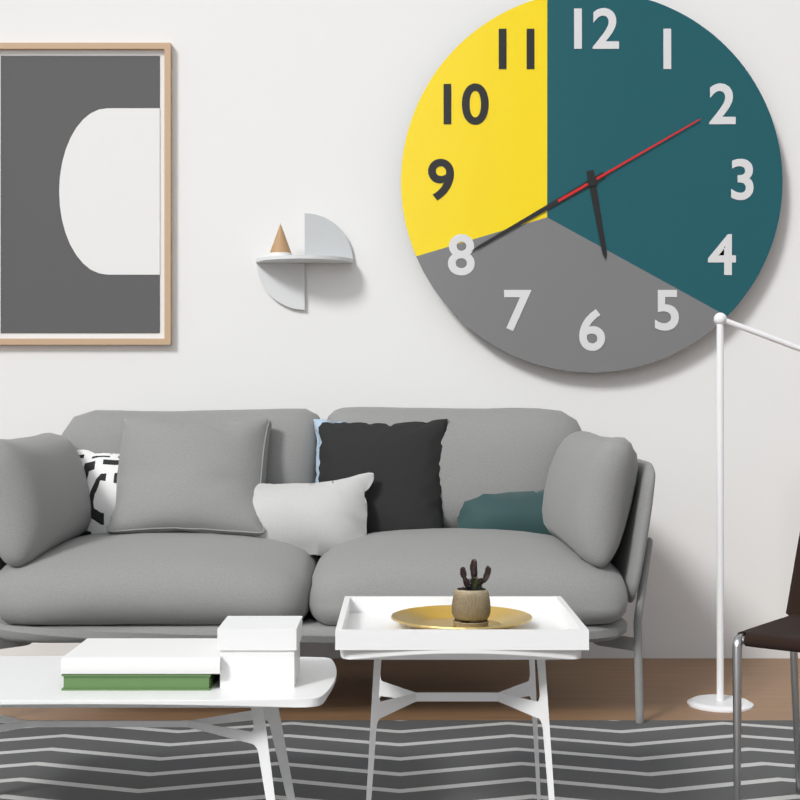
{"hour": 5, "minute": 40, "second": 10}
